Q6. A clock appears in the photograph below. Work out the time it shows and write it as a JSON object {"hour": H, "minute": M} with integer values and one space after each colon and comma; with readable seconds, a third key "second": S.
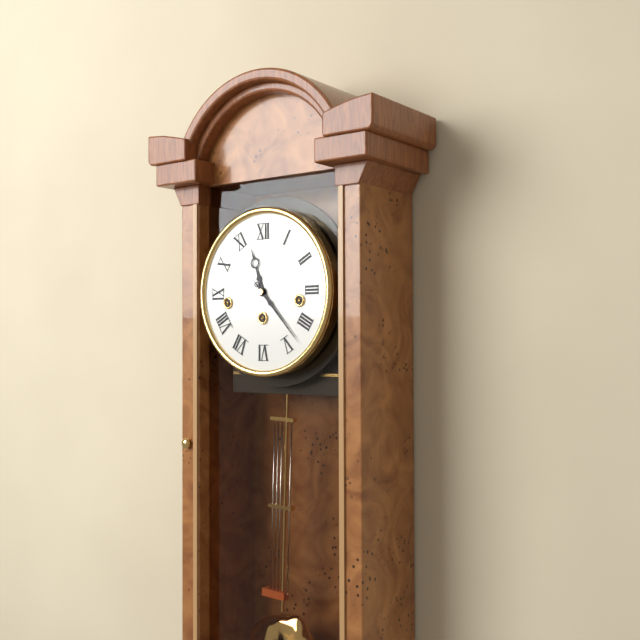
{"hour": 11, "minute": 23}
